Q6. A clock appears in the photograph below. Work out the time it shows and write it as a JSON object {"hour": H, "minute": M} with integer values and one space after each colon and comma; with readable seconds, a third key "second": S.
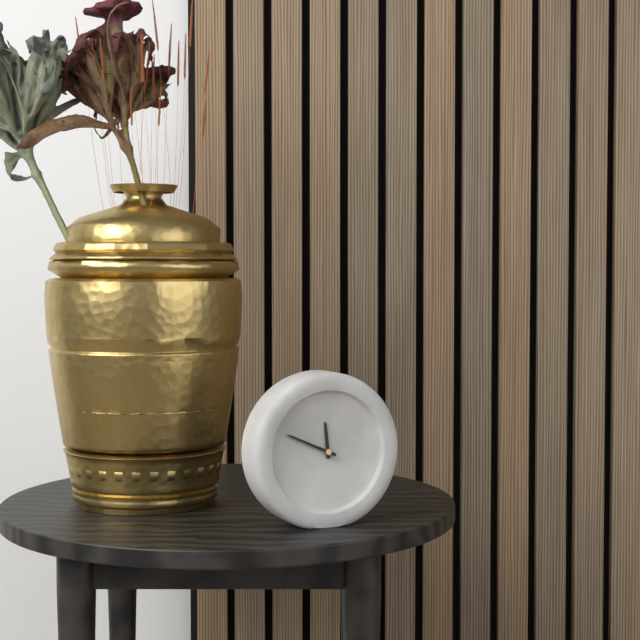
{"hour": 11, "minute": 49}
